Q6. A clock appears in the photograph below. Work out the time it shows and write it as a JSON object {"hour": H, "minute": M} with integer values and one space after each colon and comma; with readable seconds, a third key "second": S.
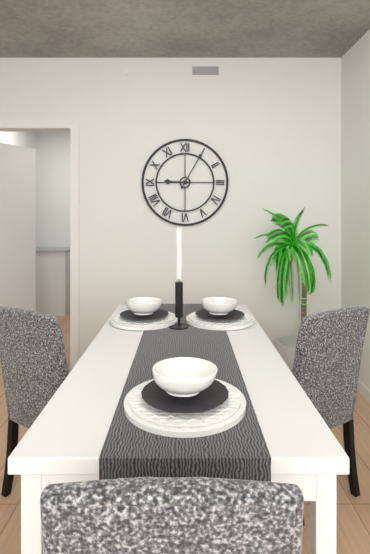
{"hour": 9, "minute": 5}
